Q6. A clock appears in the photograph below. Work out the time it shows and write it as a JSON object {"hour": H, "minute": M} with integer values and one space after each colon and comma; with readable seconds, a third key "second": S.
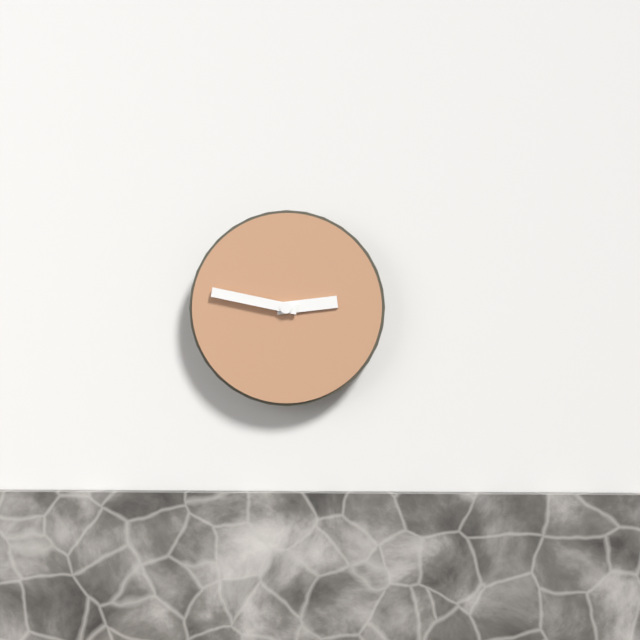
{"hour": 2, "minute": 47}
